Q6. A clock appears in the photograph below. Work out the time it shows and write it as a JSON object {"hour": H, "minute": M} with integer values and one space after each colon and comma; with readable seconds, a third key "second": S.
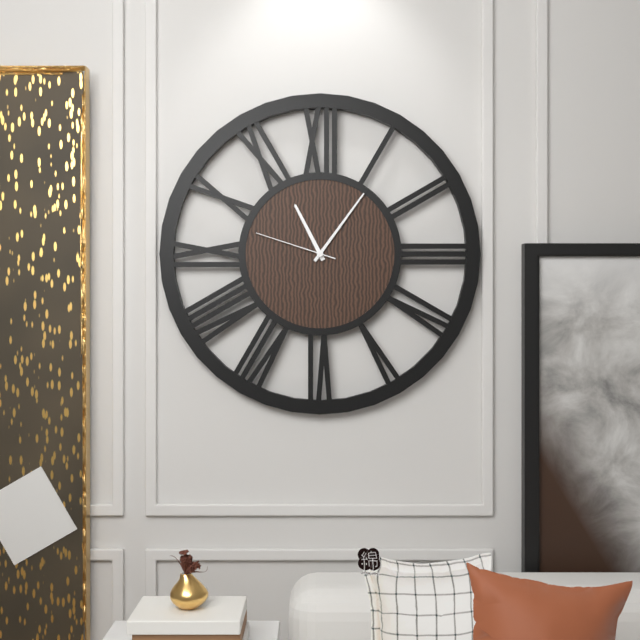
{"hour": 11, "minute": 6, "second": 48}
